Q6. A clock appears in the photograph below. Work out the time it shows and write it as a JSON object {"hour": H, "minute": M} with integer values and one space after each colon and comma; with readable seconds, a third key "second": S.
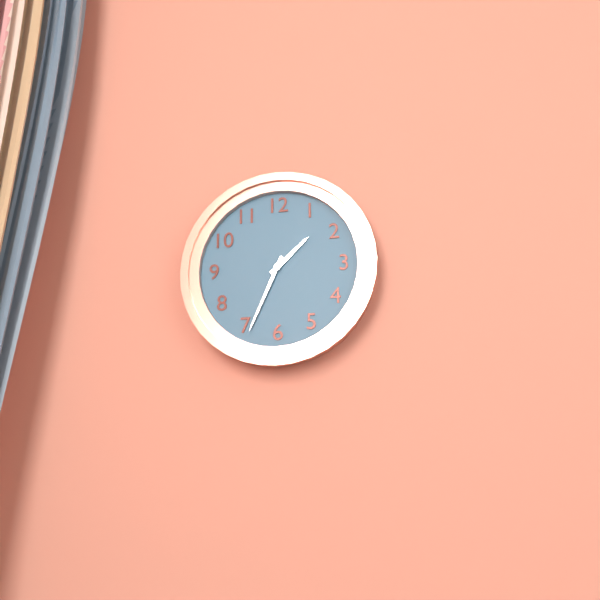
{"hour": 1, "minute": 34}
